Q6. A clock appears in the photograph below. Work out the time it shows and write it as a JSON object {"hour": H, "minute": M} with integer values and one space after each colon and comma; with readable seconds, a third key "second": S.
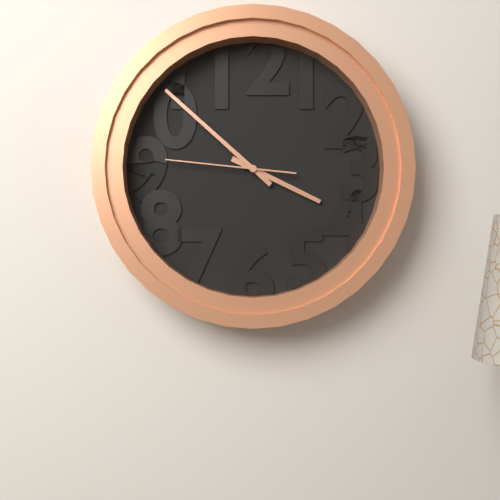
{"hour": 3, "minute": 52, "second": 46}
